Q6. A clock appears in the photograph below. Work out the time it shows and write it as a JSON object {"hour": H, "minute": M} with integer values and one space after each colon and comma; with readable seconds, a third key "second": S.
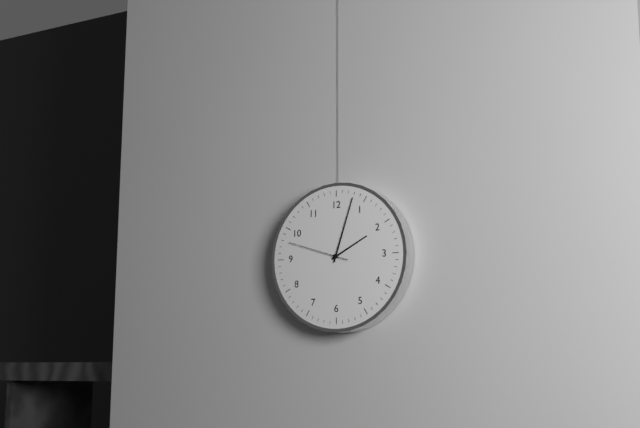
{"hour": 2, "minute": 3, "second": 48}
